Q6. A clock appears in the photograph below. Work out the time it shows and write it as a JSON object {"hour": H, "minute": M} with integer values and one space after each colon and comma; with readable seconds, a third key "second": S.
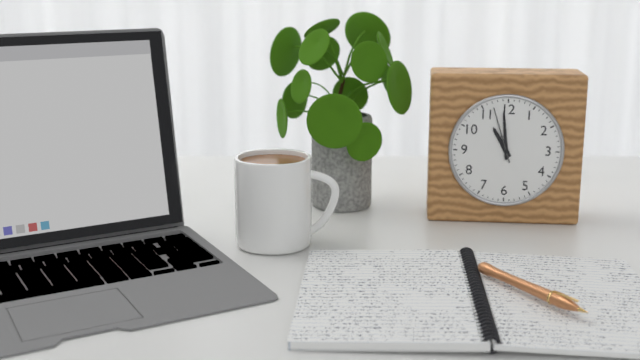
{"hour": 10, "minute": 59, "second": 57}
